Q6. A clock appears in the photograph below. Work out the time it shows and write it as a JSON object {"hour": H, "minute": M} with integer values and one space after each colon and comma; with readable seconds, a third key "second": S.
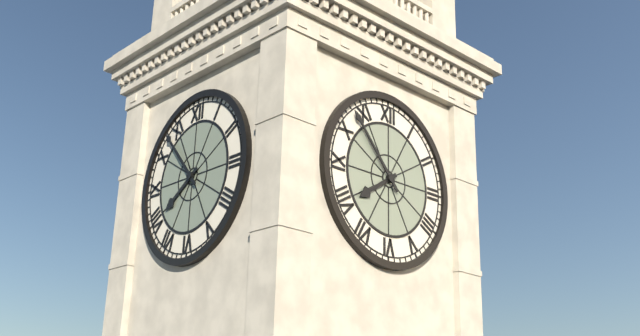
{"hour": 7, "minute": 53}
